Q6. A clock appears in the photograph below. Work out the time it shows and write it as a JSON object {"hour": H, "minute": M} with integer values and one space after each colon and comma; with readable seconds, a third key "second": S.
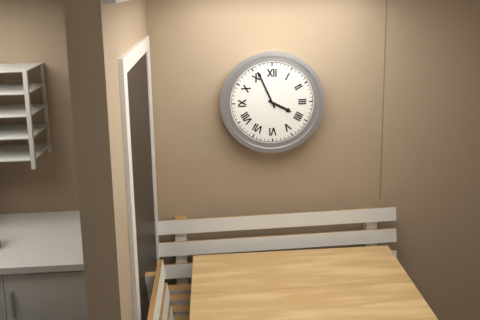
{"hour": 3, "minute": 56}
